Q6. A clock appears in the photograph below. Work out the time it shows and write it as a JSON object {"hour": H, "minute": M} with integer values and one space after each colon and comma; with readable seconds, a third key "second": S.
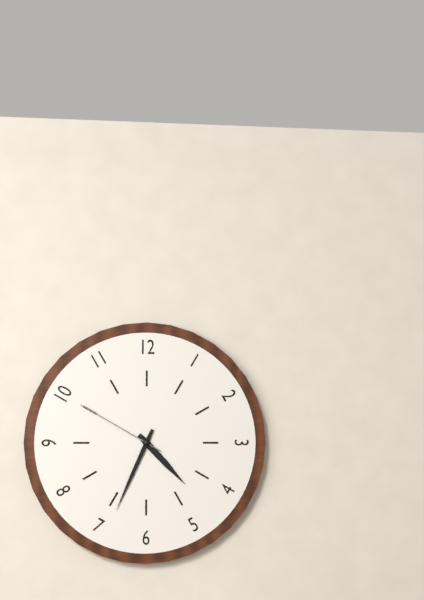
{"hour": 4, "minute": 34, "second": 50}
